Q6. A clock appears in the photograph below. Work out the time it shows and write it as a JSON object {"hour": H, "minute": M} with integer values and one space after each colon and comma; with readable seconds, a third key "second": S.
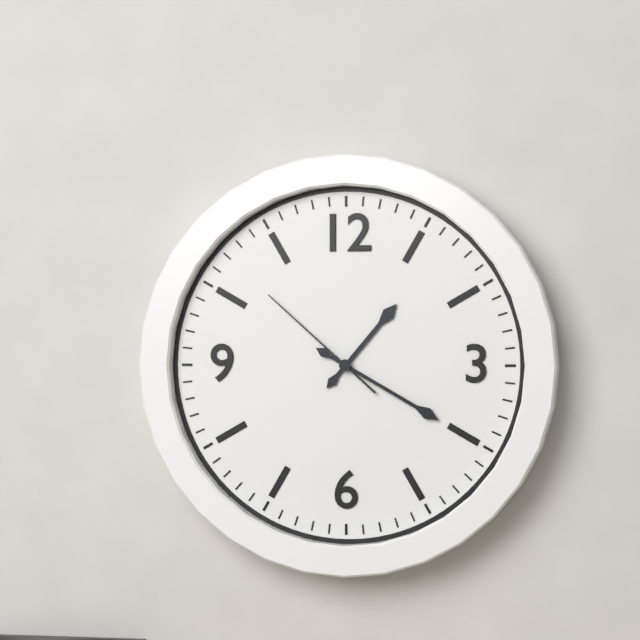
{"hour": 1, "minute": 20, "second": 52}
